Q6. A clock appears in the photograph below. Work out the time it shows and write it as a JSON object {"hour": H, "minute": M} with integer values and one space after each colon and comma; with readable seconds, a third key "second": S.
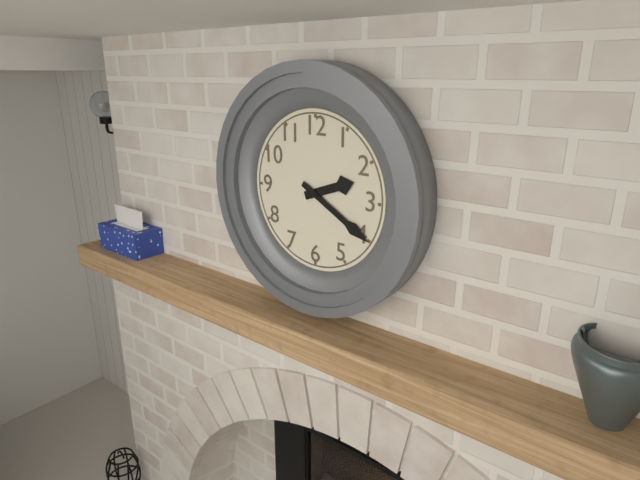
{"hour": 2, "minute": 20}
